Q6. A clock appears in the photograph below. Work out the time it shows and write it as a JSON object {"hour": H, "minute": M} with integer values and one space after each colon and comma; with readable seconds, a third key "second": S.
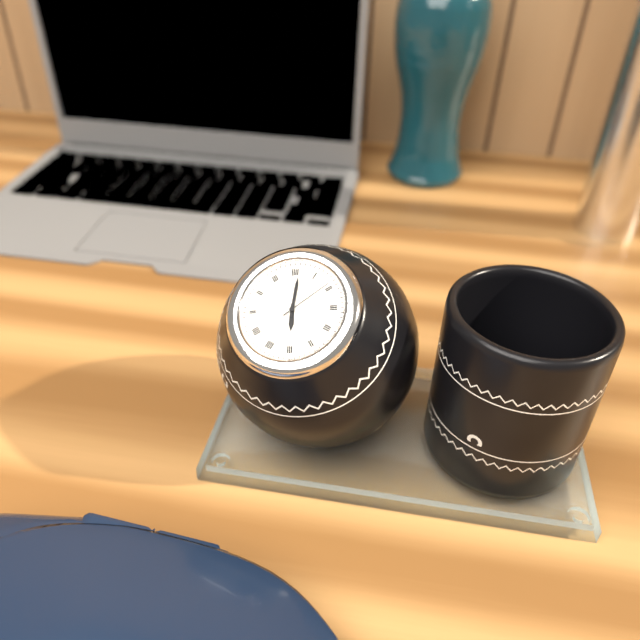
{"hour": 6, "minute": 1, "second": 9}
